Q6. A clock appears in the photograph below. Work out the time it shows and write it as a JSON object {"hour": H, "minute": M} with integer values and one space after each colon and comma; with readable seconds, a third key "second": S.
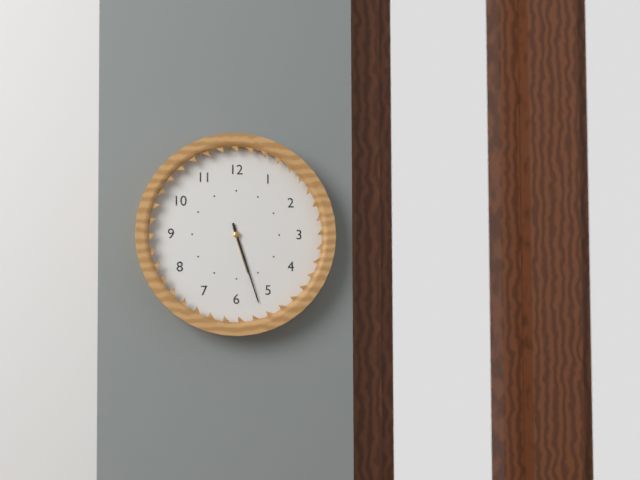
{"hour": 5, "minute": 27}
